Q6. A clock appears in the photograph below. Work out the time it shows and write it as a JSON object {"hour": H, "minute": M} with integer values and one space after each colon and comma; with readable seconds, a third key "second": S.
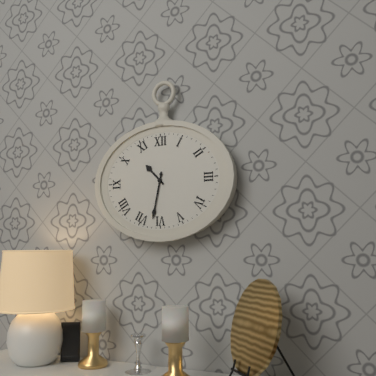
{"hour": 10, "minute": 32}
